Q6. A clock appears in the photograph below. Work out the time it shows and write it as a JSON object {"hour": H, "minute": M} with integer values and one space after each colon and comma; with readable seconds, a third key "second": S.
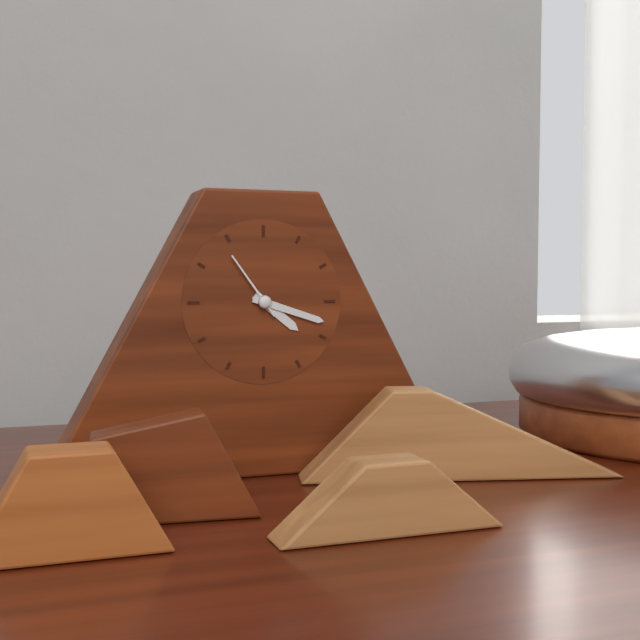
{"hour": 4, "minute": 18, "second": 54}
